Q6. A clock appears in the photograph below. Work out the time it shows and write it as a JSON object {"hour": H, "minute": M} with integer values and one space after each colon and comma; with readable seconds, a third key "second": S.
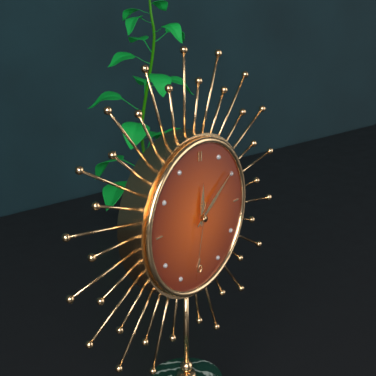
{"hour": 12, "minute": 9, "second": 32}
